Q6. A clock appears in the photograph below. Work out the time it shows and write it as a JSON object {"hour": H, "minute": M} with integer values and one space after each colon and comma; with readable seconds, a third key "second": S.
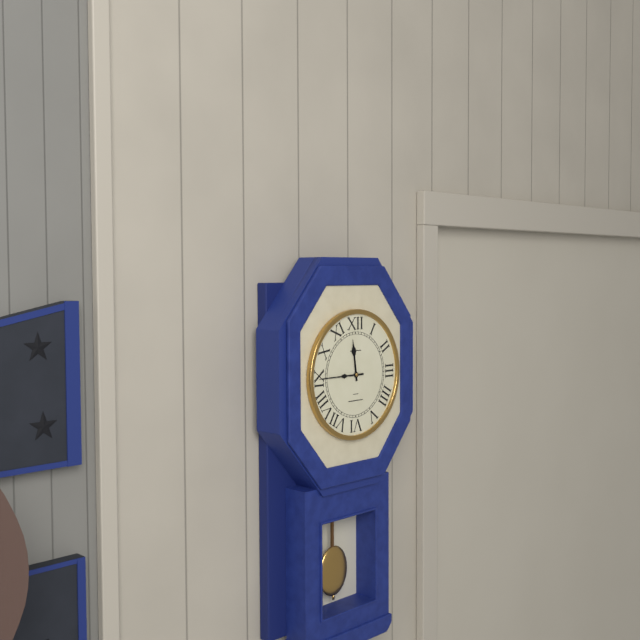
{"hour": 11, "minute": 45}
